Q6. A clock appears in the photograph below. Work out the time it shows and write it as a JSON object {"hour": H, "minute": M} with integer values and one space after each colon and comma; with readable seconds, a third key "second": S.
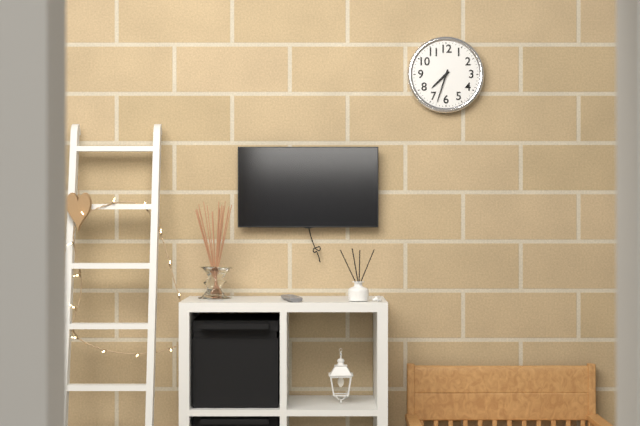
{"hour": 7, "minute": 33}
